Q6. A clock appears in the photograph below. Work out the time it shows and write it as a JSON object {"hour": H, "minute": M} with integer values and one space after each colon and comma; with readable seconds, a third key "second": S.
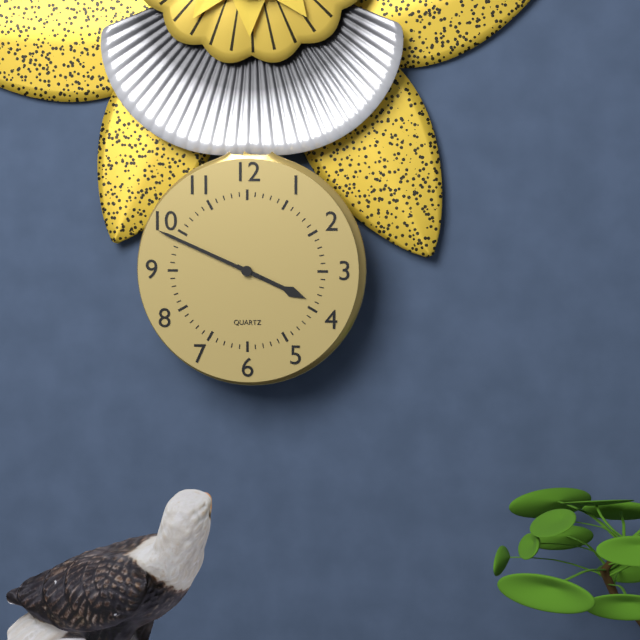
{"hour": 3, "minute": 49}
